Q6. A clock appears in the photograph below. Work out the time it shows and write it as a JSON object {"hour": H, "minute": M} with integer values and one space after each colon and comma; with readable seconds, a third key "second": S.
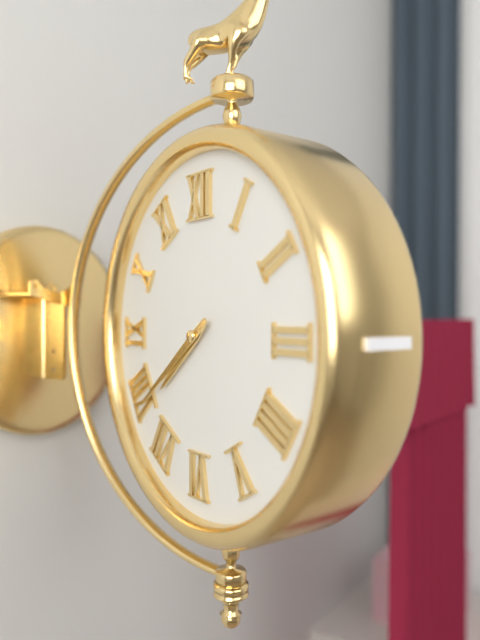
{"hour": 7, "minute": 39}
